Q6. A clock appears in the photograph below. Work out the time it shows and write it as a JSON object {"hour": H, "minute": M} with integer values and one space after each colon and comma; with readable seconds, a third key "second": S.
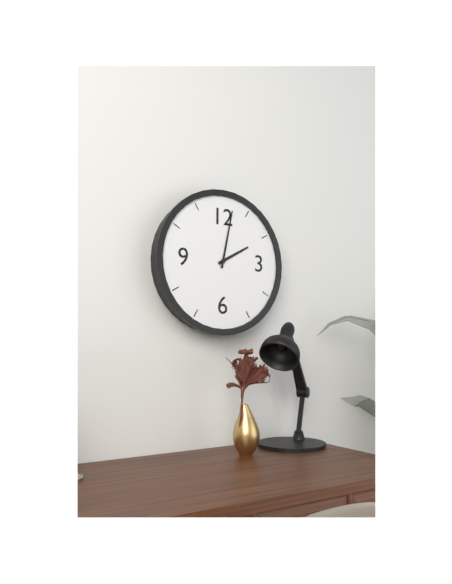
{"hour": 2, "minute": 2}
